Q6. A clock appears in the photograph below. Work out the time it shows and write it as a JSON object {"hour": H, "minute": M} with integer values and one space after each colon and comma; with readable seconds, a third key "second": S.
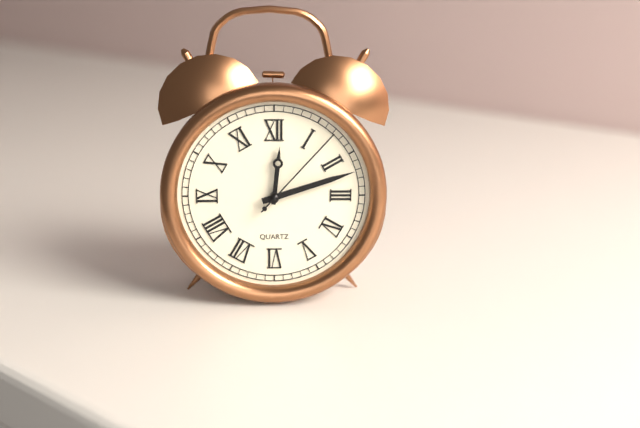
{"hour": 12, "minute": 12, "second": 7}
